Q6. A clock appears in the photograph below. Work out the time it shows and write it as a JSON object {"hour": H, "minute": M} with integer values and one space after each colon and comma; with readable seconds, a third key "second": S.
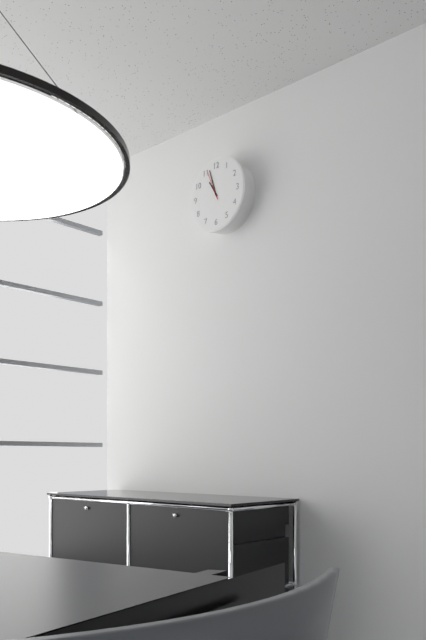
{"hour": 10, "minute": 57}
